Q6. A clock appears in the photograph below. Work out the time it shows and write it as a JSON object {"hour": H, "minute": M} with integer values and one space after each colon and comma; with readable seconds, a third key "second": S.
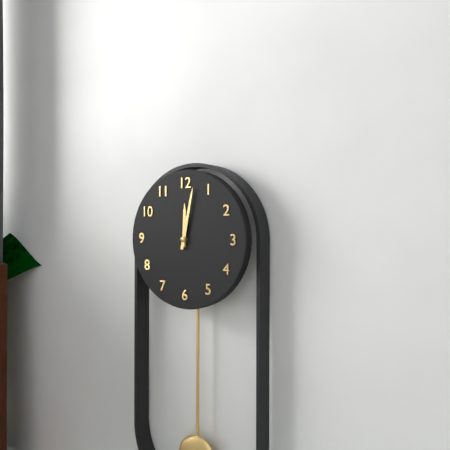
{"hour": 12, "minute": 2}
